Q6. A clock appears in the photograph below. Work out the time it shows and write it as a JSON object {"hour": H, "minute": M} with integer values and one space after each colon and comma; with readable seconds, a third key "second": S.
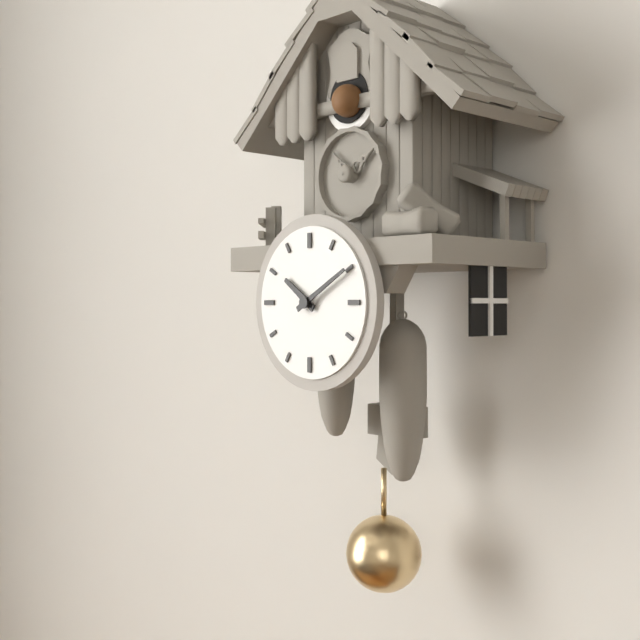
{"hour": 10, "minute": 10}
